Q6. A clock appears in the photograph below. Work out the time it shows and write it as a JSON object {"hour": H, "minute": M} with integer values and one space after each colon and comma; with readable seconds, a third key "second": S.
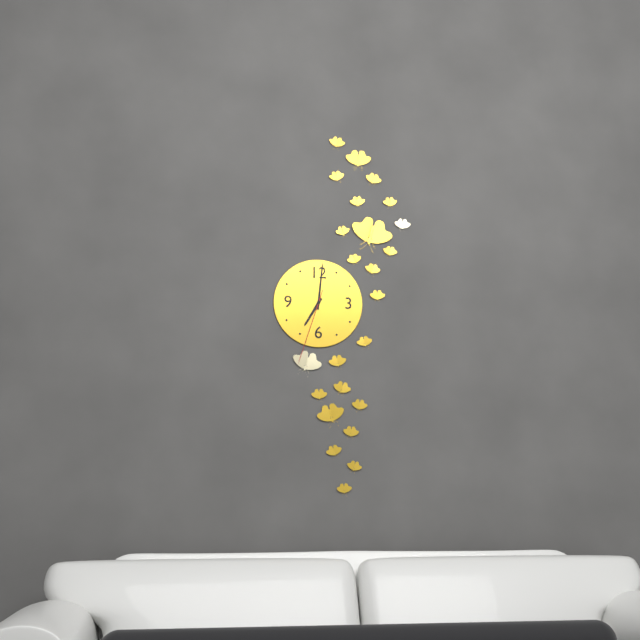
{"hour": 7, "minute": 1, "second": 33}
